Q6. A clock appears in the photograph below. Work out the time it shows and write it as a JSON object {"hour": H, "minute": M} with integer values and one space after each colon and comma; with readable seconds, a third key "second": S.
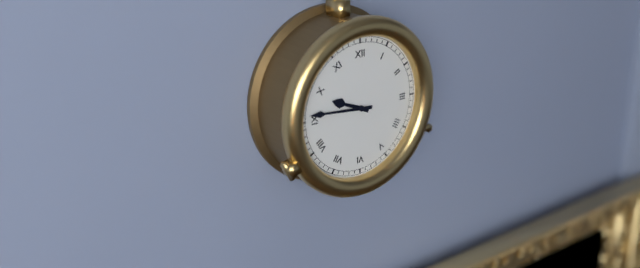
{"hour": 9, "minute": 46}
